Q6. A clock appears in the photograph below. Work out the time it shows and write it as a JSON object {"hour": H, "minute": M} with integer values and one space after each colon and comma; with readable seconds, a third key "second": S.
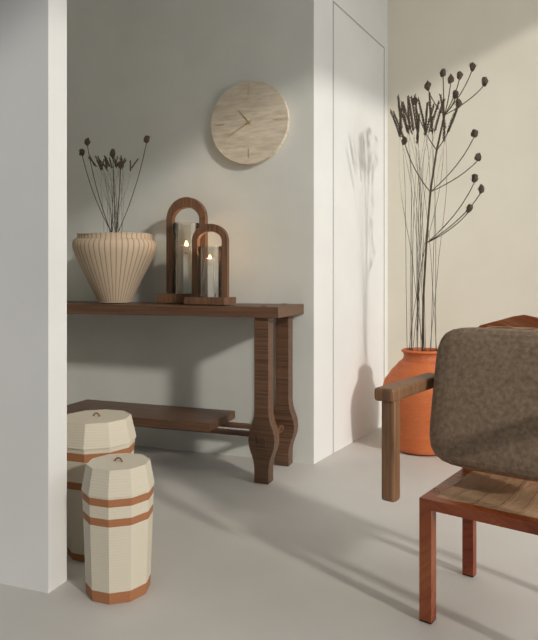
{"hour": 10, "minute": 40}
